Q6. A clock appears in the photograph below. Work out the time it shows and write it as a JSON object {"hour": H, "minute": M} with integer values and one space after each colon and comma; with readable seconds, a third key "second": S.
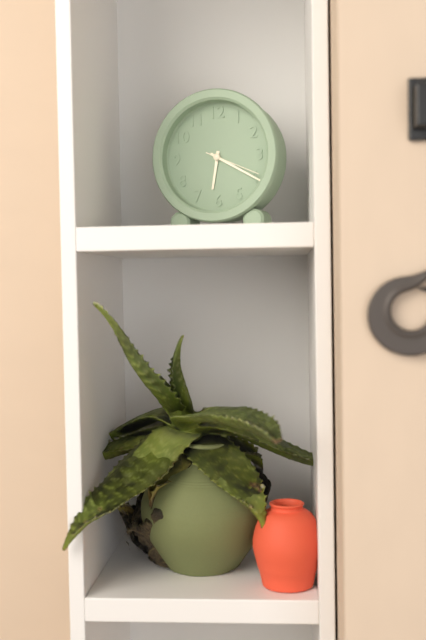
{"hour": 6, "minute": 20, "second": 19}
